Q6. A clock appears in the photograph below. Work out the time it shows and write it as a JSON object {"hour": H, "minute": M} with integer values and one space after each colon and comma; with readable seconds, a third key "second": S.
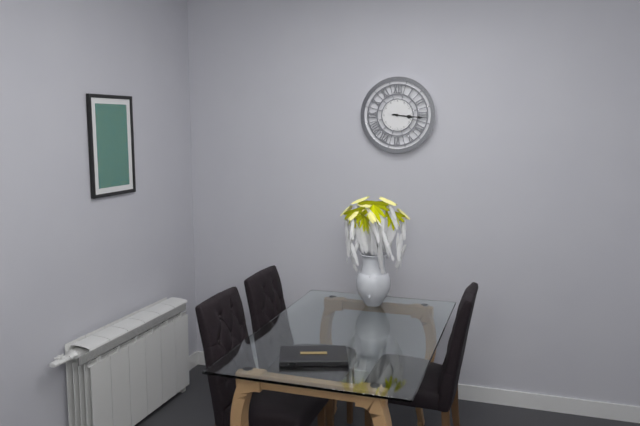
{"hour": 3, "minute": 16}
